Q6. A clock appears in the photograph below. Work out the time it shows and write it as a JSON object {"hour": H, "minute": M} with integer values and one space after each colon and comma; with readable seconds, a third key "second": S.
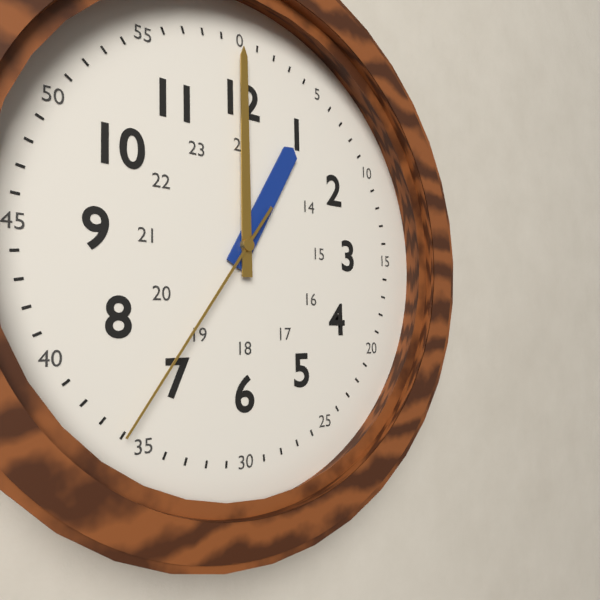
{"hour": 1, "minute": 0, "second": 36}
